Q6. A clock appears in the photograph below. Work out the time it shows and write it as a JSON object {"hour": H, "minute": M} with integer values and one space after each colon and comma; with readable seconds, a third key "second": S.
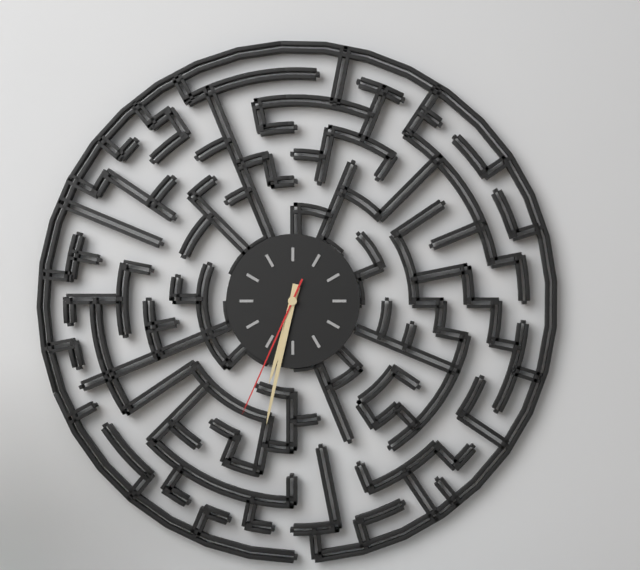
{"hour": 6, "minute": 32, "second": 34}
